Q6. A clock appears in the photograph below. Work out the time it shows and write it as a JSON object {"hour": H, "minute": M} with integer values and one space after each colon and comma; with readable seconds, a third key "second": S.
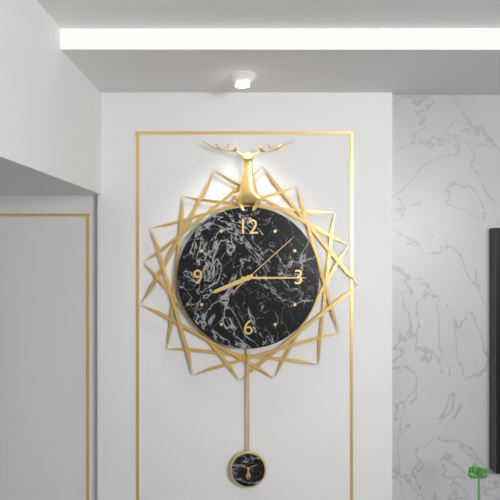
{"hour": 8, "minute": 15, "second": 8}
